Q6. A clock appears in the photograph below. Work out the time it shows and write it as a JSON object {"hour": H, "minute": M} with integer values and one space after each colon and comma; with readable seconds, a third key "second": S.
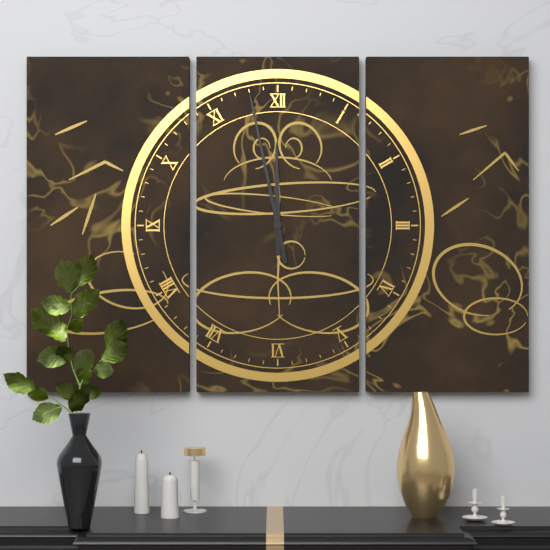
{"hour": 11, "minute": 58}
